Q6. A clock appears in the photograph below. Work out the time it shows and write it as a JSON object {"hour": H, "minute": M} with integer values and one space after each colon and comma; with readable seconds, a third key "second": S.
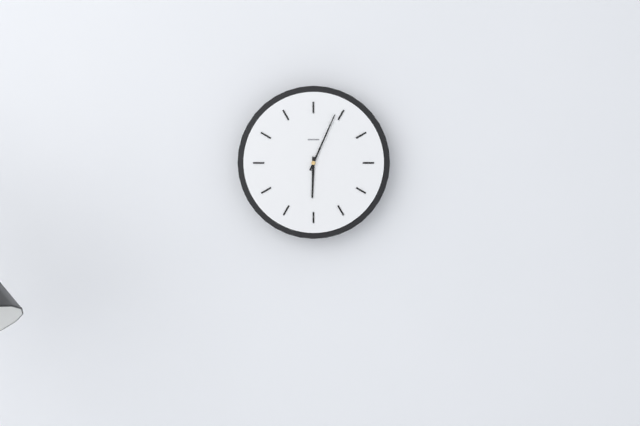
{"hour": 6, "minute": 4}
